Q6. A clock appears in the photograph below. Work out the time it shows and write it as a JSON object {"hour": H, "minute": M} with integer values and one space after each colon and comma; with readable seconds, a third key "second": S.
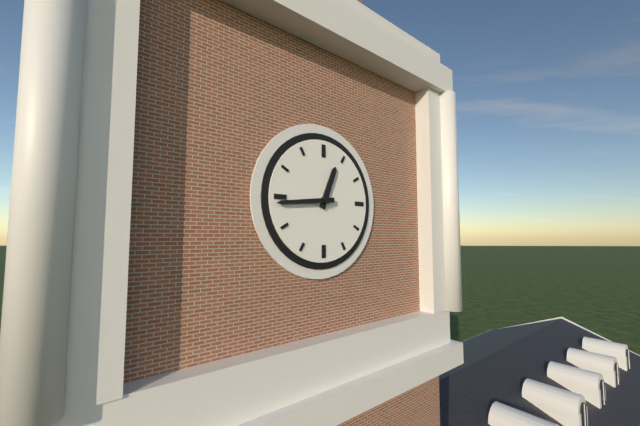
{"hour": 12, "minute": 44}
